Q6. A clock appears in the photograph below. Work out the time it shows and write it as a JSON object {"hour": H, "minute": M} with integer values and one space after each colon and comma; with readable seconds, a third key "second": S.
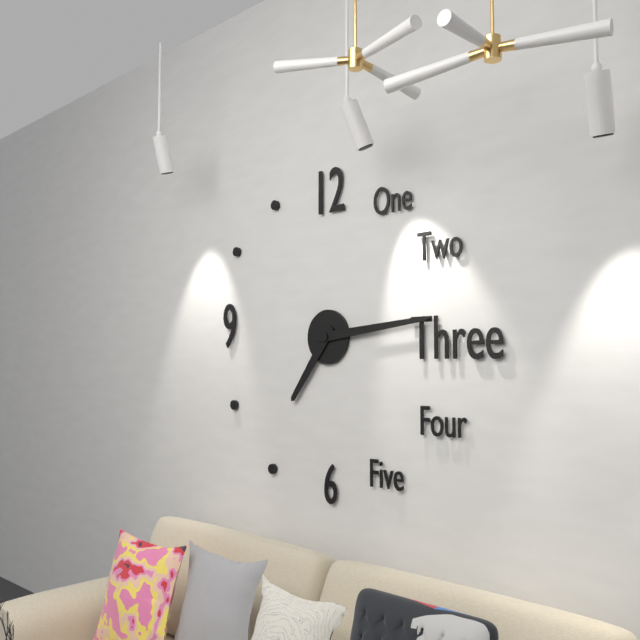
{"hour": 7, "minute": 14}
